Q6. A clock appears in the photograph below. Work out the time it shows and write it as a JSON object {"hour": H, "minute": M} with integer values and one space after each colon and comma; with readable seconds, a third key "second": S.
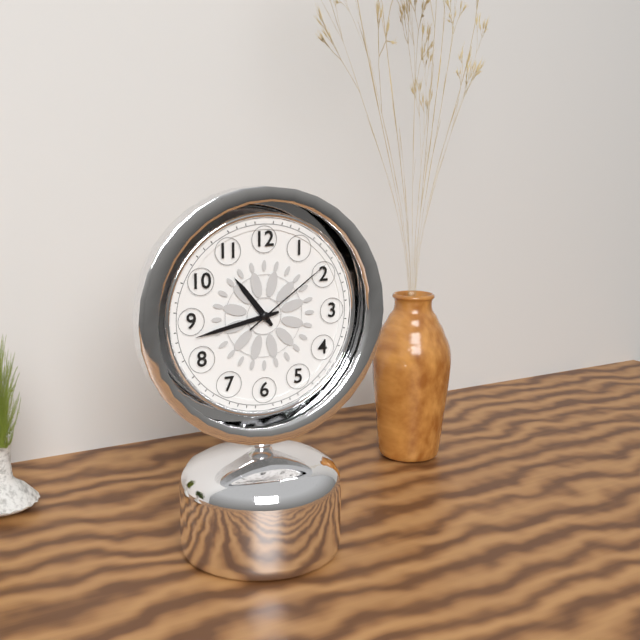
{"hour": 10, "minute": 43, "second": 9}
